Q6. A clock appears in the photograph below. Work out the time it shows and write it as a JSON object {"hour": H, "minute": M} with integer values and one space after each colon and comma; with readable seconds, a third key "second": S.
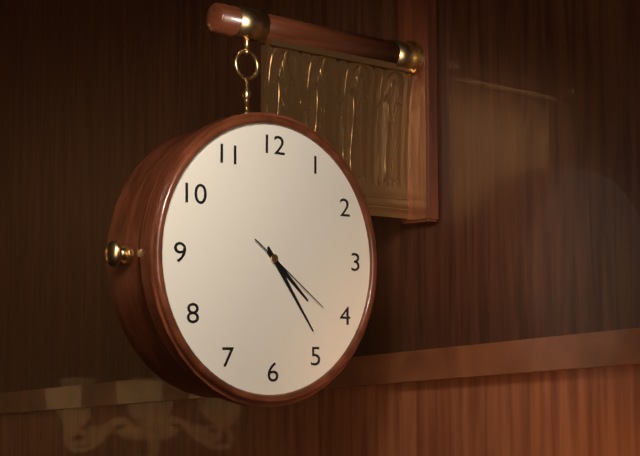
{"hour": 4, "minute": 24, "second": 21}
